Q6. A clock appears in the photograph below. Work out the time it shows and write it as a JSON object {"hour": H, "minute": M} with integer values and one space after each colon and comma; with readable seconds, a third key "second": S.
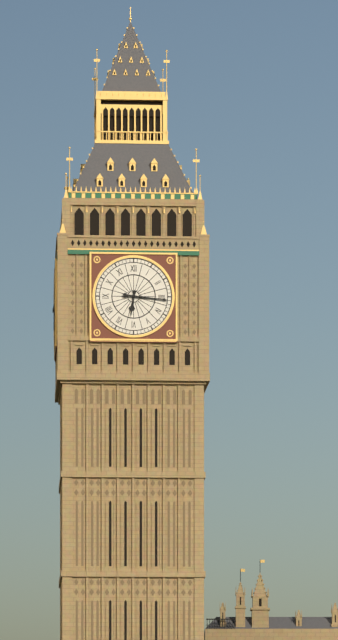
{"hour": 6, "minute": 16}
